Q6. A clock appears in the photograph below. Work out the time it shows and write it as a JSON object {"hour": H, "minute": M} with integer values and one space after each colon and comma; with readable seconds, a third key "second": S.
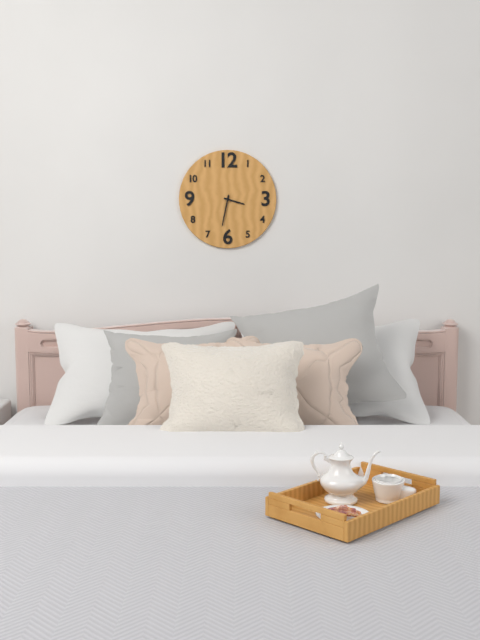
{"hour": 3, "minute": 32}
